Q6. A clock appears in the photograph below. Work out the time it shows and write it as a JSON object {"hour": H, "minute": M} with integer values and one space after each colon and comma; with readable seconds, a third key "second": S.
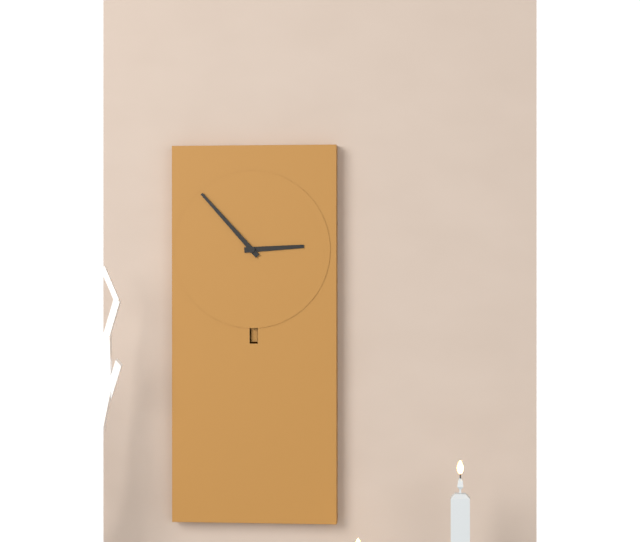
{"hour": 2, "minute": 53}
